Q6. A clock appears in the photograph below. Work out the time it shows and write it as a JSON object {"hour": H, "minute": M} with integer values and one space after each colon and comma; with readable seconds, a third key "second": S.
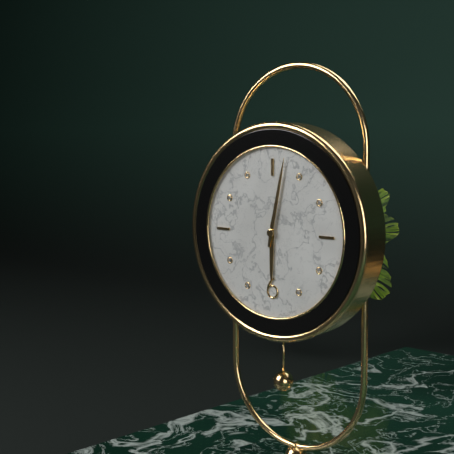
{"hour": 6, "minute": 2}
